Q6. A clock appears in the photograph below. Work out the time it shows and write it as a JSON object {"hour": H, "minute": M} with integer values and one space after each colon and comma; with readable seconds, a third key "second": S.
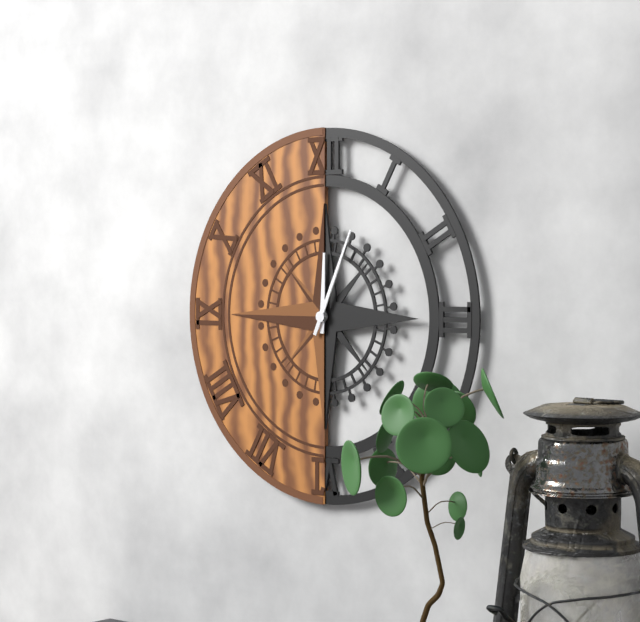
{"hour": 12, "minute": 4}
